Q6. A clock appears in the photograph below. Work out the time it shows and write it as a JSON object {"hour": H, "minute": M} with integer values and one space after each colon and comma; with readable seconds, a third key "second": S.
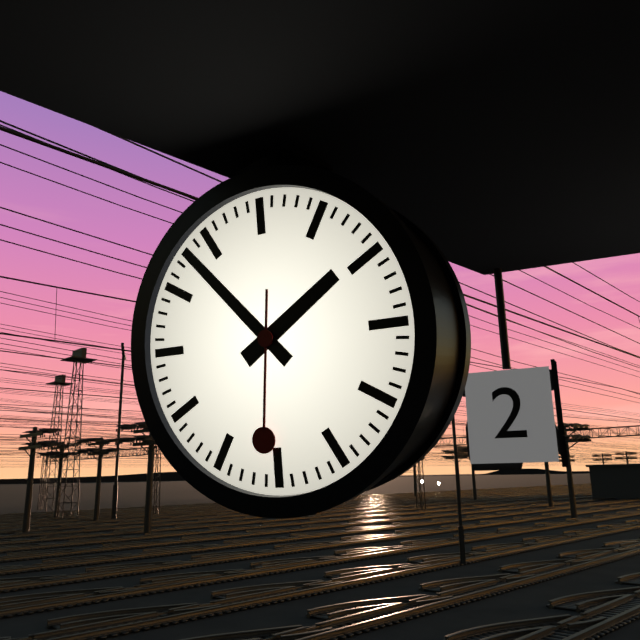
{"hour": 1, "minute": 53, "second": 31}
